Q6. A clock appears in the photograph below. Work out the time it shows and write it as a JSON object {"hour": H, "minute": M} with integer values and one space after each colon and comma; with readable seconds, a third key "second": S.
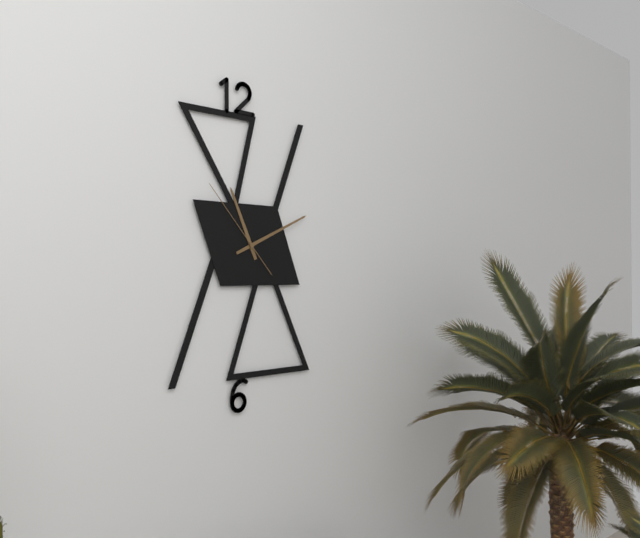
{"hour": 11, "minute": 11, "second": 53}
